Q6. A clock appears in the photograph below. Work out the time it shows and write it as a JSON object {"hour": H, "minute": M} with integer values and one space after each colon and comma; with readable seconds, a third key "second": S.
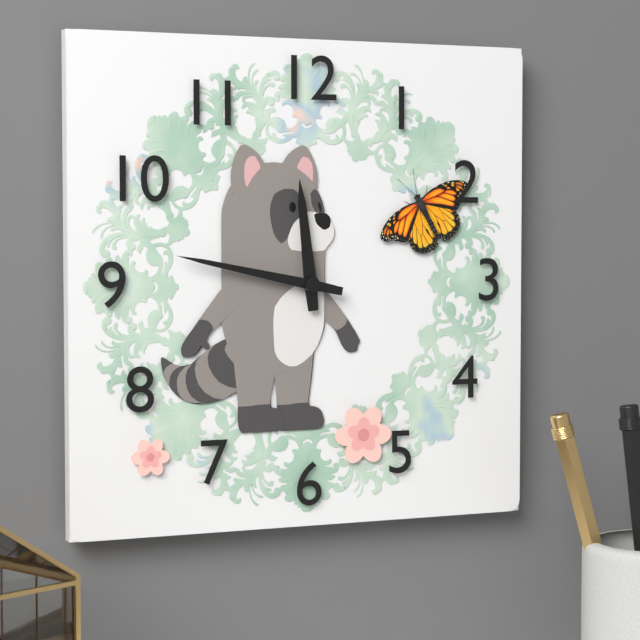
{"hour": 11, "minute": 47}
